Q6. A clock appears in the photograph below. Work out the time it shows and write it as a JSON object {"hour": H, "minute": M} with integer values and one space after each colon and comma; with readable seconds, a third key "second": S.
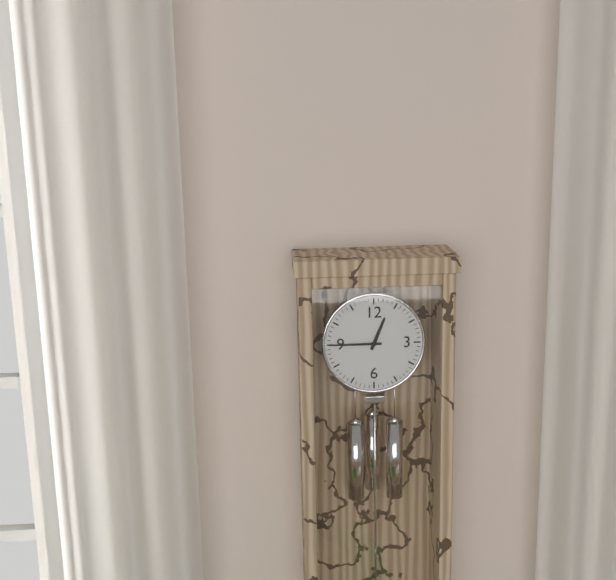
{"hour": 12, "minute": 45}
